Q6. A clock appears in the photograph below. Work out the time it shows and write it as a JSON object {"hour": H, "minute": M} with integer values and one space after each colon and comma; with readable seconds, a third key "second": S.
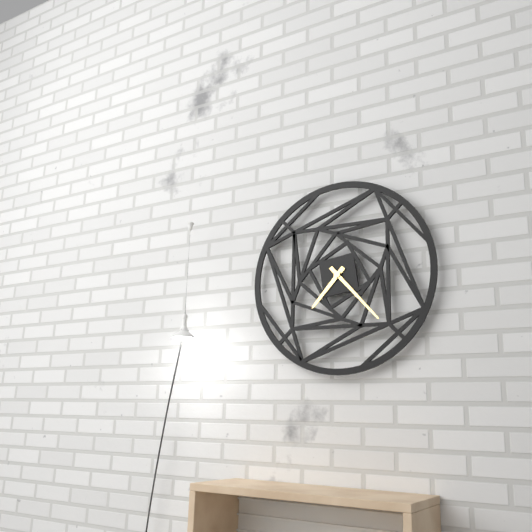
{"hour": 7, "minute": 23}
